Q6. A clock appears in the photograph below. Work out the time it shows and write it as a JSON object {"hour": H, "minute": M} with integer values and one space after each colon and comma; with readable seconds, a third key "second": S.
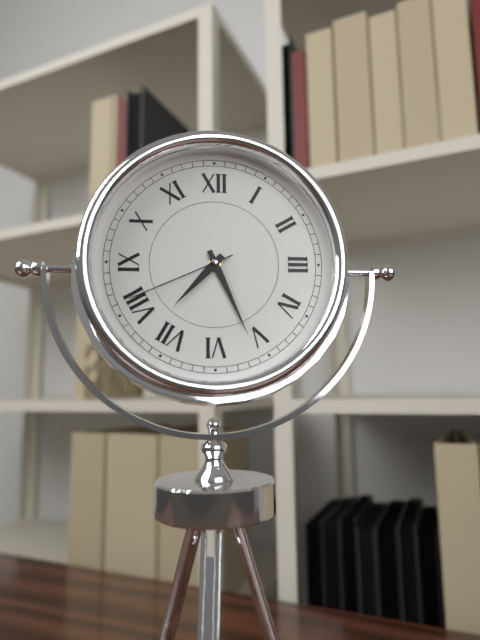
{"hour": 7, "minute": 26, "second": 41}
